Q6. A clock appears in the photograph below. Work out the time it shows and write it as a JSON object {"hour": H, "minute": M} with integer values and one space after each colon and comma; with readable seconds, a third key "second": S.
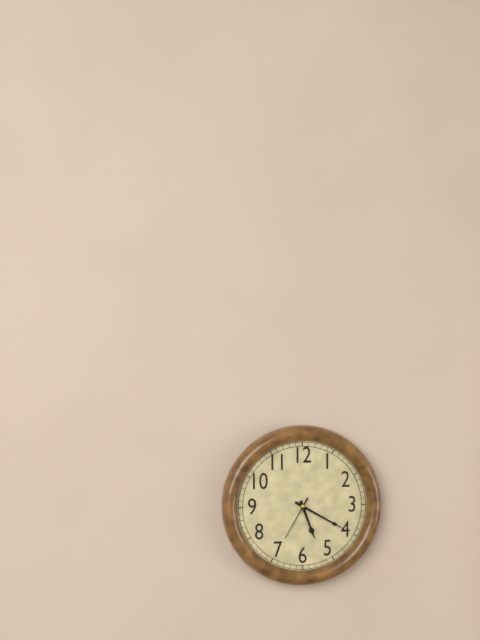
{"hour": 5, "minute": 20}
